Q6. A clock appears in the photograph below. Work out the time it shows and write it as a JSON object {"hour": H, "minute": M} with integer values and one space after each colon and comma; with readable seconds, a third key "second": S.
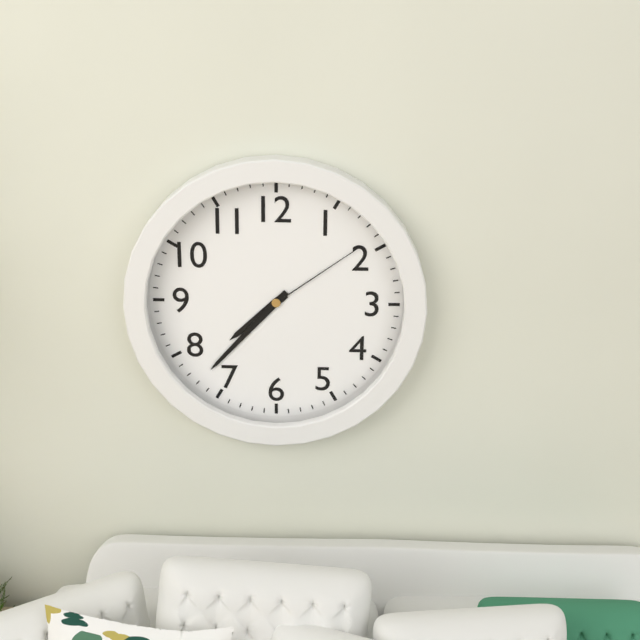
{"hour": 7, "minute": 37, "second": 9}
